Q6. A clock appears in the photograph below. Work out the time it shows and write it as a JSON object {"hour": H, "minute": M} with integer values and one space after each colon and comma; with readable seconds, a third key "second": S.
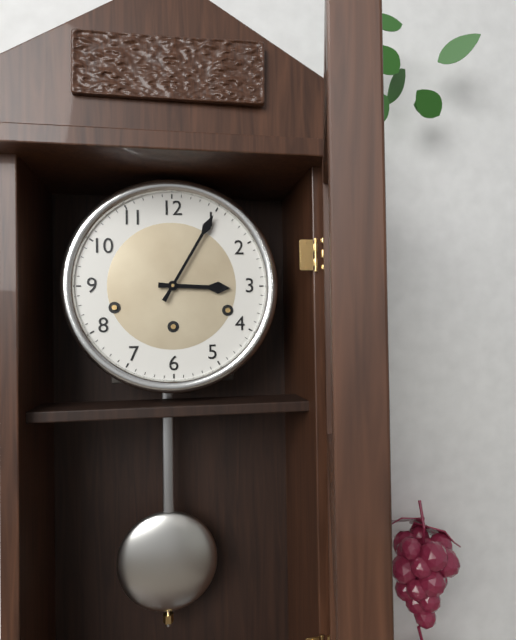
{"hour": 3, "minute": 5}
